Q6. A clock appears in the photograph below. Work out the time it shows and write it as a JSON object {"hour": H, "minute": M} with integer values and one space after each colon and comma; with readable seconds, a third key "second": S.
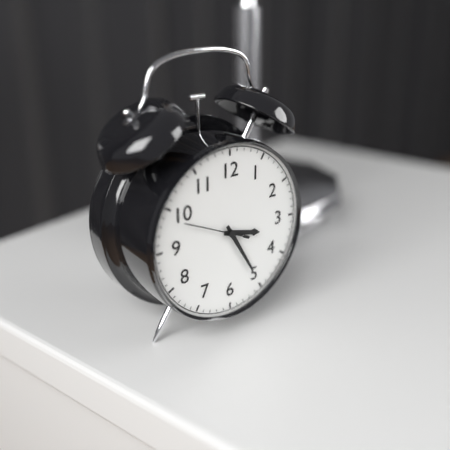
{"hour": 3, "minute": 25, "second": 49}
